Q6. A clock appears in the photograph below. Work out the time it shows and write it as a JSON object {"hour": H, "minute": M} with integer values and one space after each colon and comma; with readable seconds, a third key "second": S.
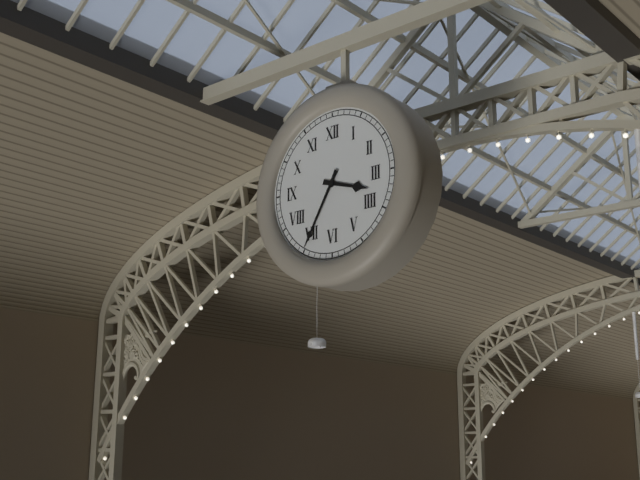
{"hour": 3, "minute": 35}
